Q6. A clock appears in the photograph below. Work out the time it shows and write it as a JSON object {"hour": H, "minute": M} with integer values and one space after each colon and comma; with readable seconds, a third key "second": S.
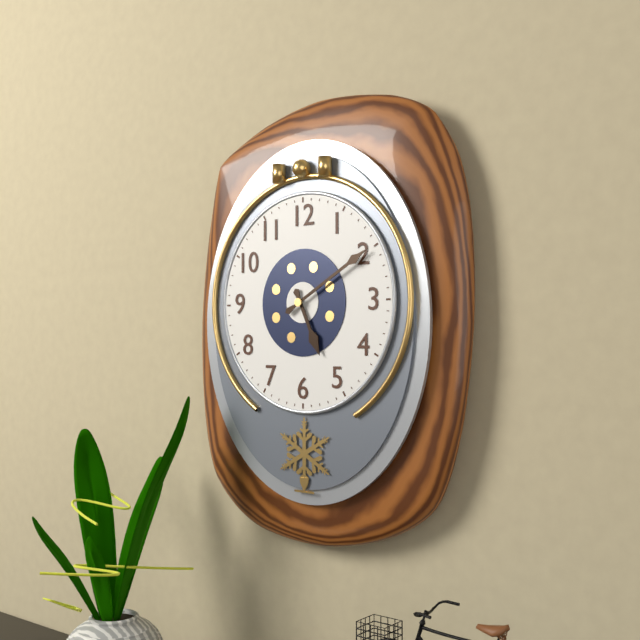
{"hour": 5, "minute": 10}
